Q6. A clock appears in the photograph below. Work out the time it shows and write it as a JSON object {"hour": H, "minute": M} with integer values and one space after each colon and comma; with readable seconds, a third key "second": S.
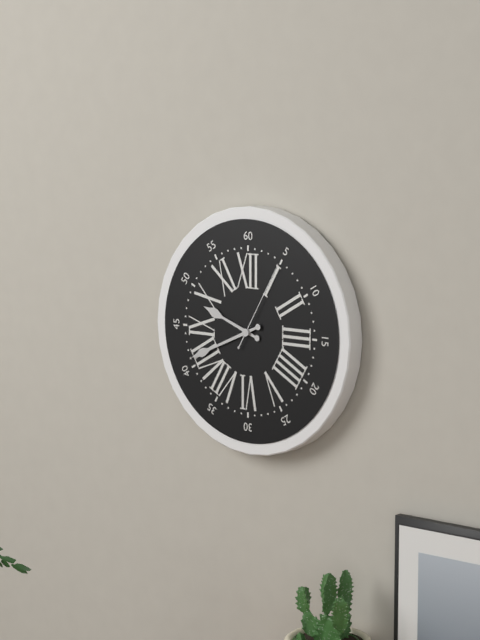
{"hour": 9, "minute": 41, "second": 5}
